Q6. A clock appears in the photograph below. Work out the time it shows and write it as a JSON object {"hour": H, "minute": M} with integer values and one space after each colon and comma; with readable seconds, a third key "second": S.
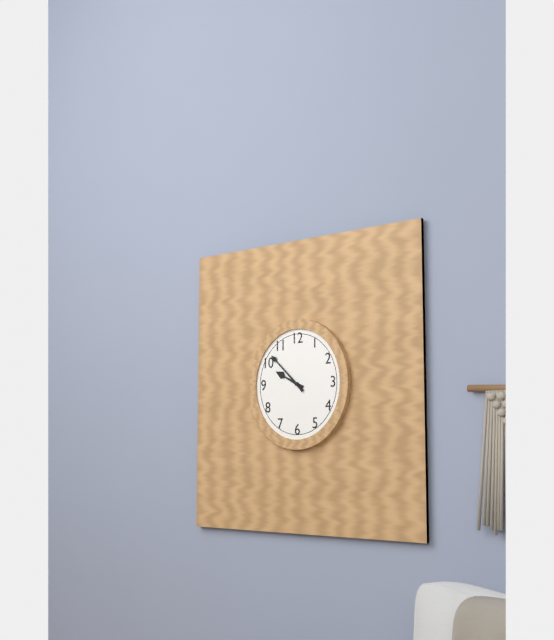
{"hour": 9, "minute": 52}
